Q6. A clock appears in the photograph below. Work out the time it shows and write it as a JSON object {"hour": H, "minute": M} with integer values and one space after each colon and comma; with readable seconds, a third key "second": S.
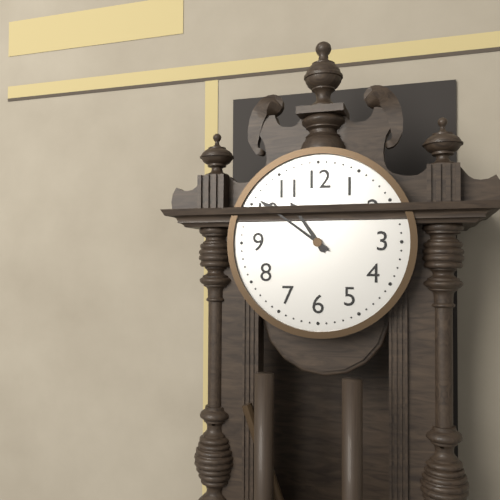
{"hour": 10, "minute": 51}
